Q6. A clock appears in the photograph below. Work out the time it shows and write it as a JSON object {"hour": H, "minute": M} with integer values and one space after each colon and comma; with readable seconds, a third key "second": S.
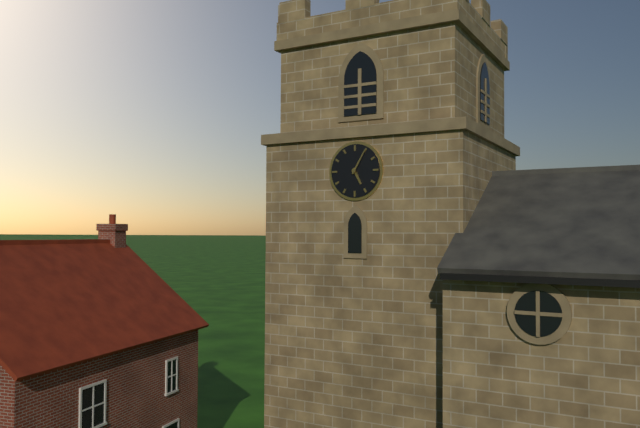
{"hour": 5, "minute": 5}
